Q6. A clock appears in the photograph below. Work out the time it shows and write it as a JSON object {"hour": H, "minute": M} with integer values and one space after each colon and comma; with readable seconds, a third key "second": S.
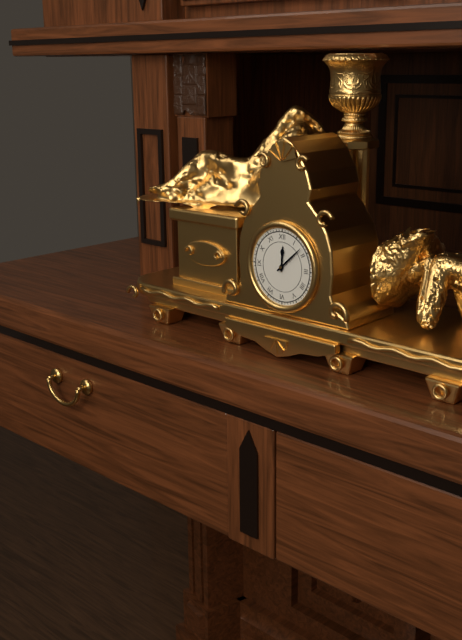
{"hour": 12, "minute": 8}
